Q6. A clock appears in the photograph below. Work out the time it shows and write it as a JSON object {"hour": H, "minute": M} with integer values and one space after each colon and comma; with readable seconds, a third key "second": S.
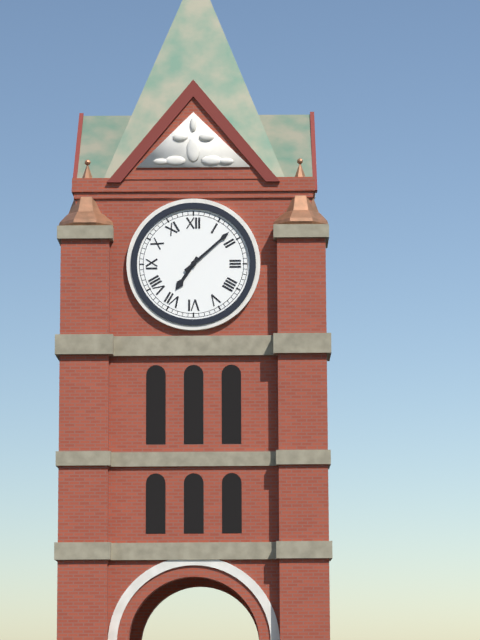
{"hour": 7, "minute": 8}
